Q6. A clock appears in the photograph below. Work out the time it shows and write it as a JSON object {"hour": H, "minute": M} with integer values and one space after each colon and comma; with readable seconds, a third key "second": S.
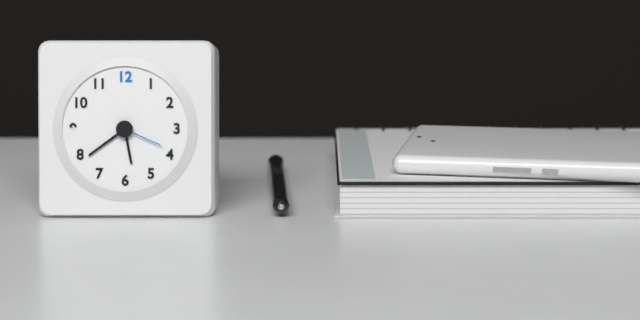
{"hour": 5, "minute": 39}
